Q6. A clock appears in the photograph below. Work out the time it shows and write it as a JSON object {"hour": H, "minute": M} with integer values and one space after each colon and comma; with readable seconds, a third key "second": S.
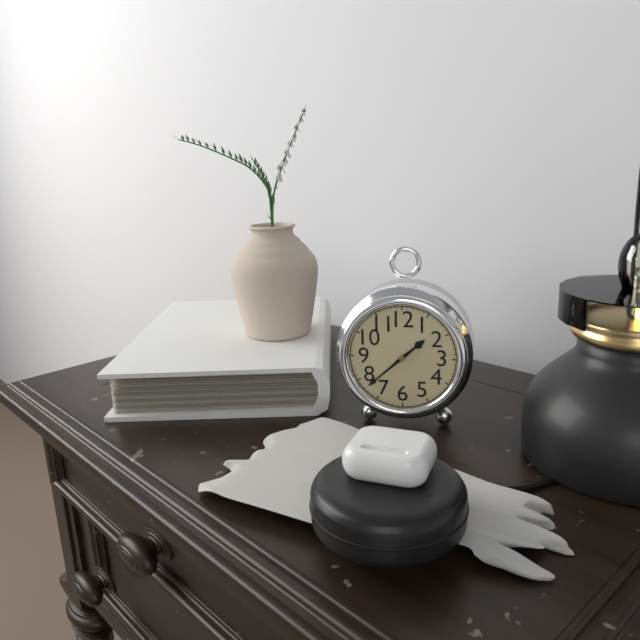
{"hour": 1, "minute": 38}
